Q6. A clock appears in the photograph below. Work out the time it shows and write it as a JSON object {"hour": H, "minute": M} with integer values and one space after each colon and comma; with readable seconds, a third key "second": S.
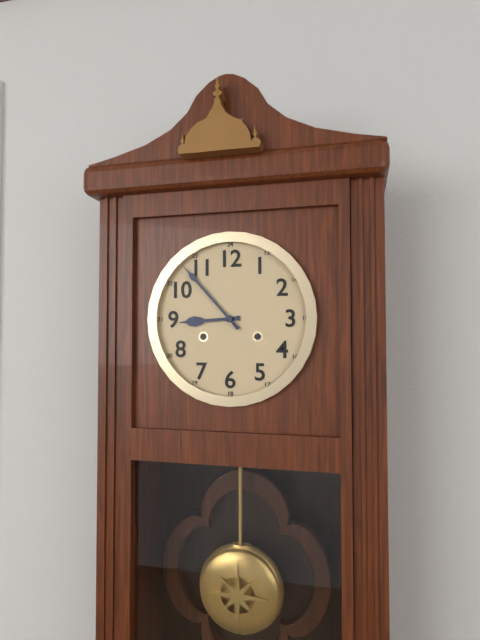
{"hour": 8, "minute": 53}
